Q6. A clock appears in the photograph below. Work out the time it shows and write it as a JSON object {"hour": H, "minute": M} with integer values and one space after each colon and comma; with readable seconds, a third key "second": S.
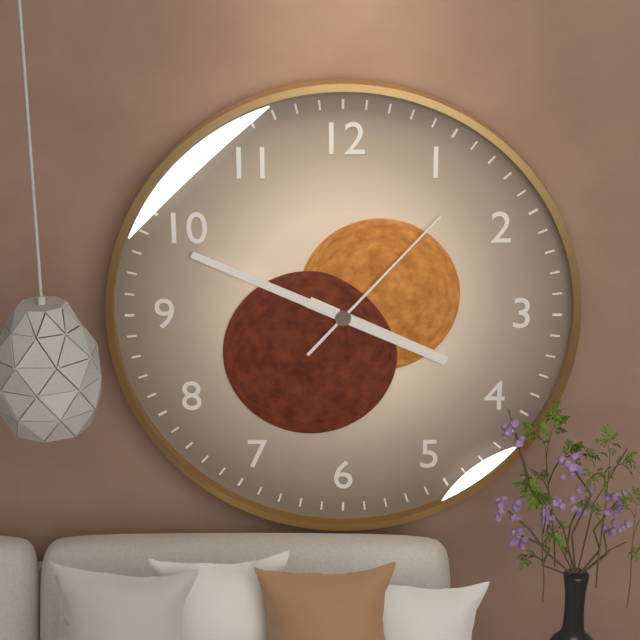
{"hour": 3, "minute": 49, "second": 7}
